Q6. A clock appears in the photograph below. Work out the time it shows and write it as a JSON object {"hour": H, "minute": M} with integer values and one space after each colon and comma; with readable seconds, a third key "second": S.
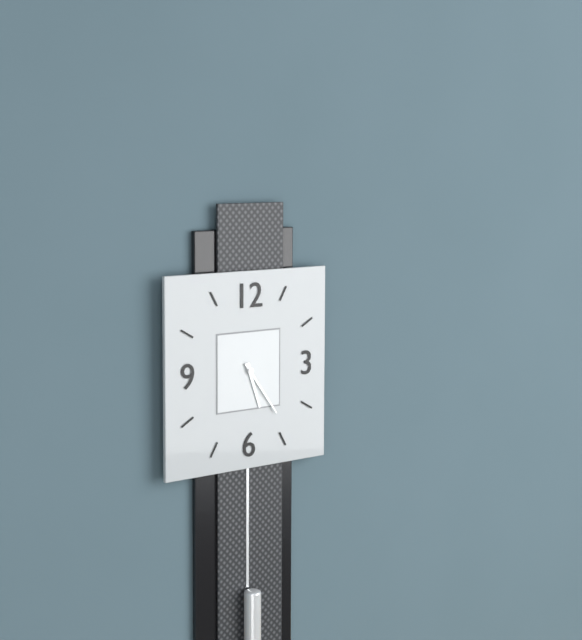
{"hour": 5, "minute": 24}
